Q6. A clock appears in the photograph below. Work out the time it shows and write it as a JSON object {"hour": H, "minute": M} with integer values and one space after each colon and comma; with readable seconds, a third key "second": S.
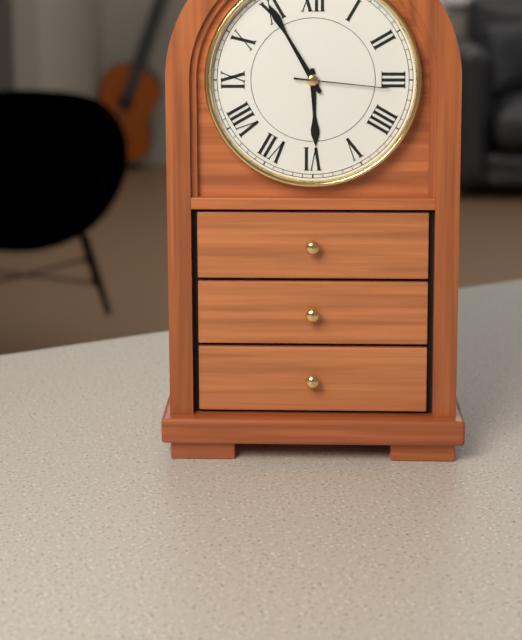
{"hour": 5, "minute": 55, "second": 16}
